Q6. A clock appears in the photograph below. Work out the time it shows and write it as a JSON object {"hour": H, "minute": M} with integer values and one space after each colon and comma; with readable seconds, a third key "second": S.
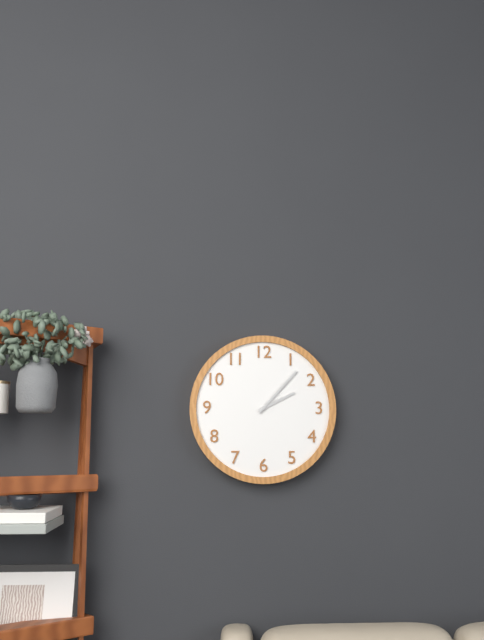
{"hour": 2, "minute": 7}
